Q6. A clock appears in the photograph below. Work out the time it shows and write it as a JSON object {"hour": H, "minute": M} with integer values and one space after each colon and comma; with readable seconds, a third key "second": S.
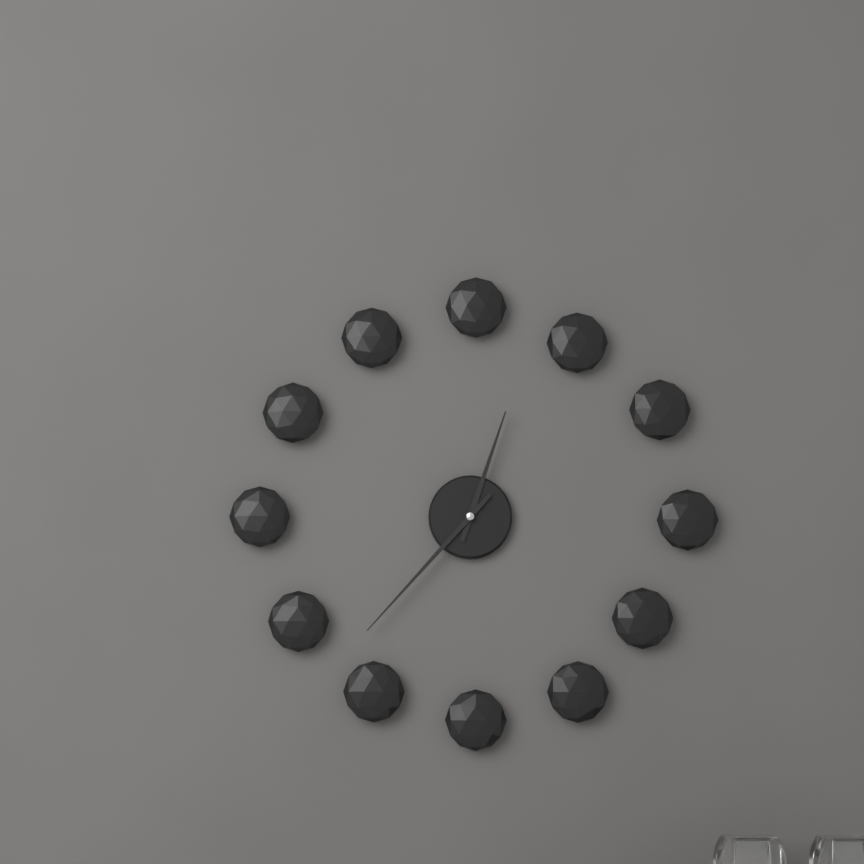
{"hour": 12, "minute": 37}
